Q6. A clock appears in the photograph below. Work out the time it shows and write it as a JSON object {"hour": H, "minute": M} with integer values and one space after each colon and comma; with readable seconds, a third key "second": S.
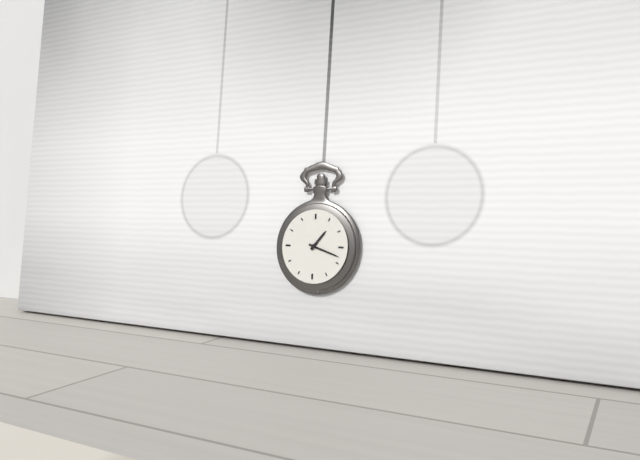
{"hour": 1, "minute": 18}
